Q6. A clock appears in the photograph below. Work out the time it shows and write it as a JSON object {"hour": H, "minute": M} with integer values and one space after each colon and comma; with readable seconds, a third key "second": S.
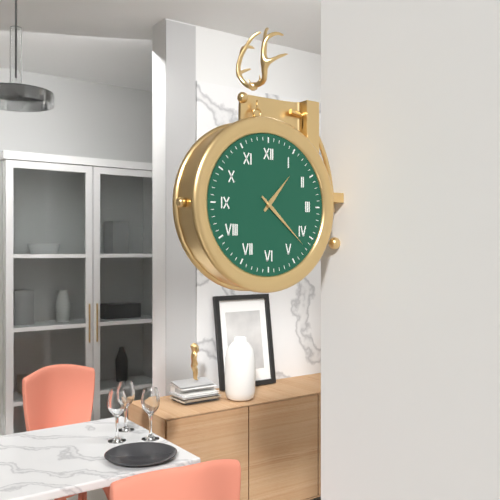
{"hour": 1, "minute": 22}
